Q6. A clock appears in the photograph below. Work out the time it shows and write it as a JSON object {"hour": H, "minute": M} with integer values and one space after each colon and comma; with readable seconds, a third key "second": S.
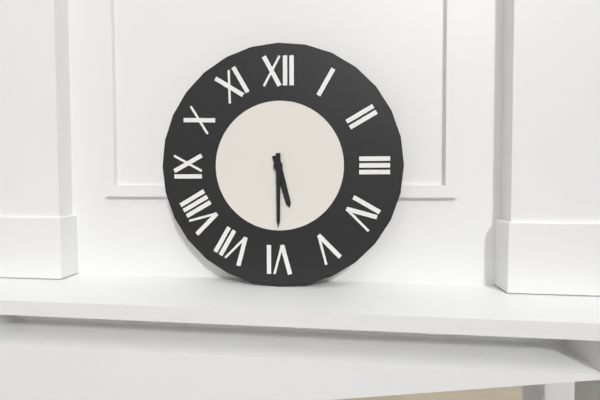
{"hour": 5, "minute": 30}
